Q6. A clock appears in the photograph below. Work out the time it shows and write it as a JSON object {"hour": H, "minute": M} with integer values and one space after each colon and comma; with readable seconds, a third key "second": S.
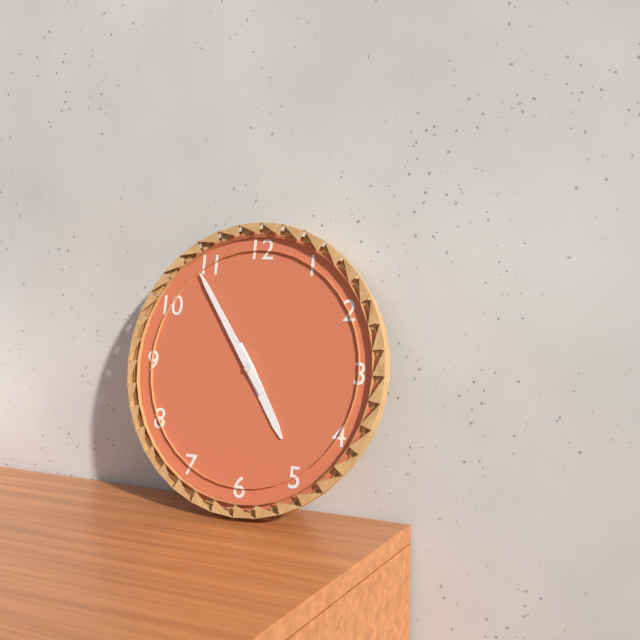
{"hour": 4, "minute": 54}
